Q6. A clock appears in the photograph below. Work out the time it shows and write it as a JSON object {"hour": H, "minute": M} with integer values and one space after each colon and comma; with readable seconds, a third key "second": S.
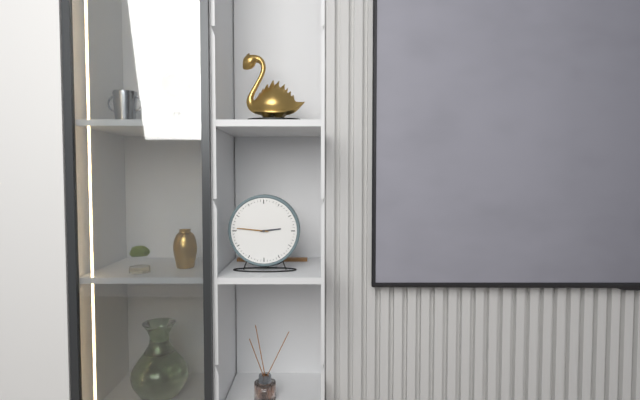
{"hour": 2, "minute": 46}
